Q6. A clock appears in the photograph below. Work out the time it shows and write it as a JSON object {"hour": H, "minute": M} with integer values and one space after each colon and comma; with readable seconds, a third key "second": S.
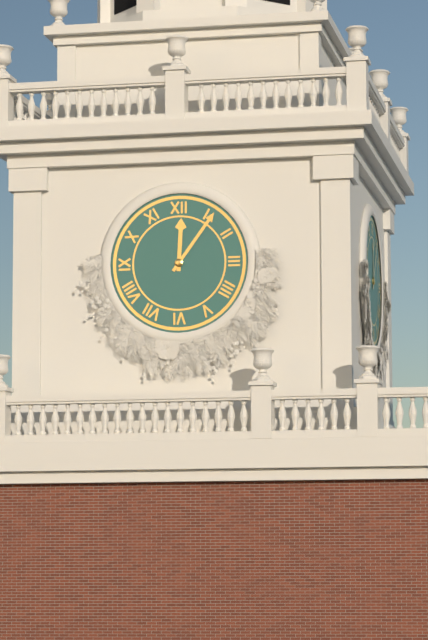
{"hour": 12, "minute": 6}
